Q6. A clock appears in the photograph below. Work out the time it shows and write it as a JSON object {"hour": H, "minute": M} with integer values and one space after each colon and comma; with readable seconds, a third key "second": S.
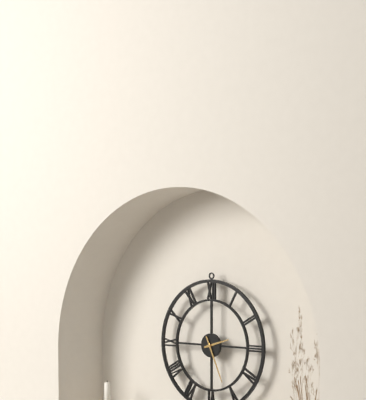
{"hour": 2, "minute": 26}
